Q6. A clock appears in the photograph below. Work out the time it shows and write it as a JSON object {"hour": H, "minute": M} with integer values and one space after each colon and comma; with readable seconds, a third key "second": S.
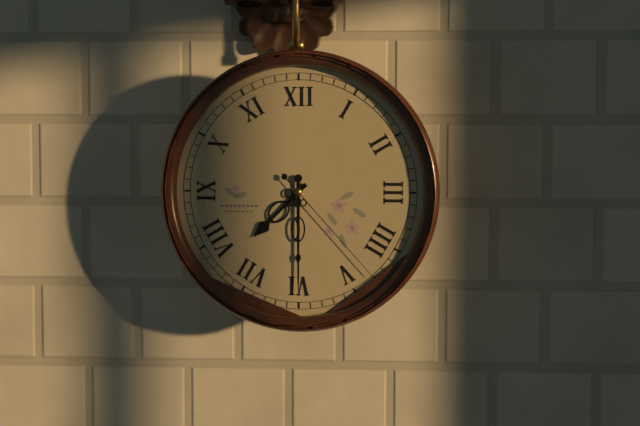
{"hour": 7, "minute": 30, "second": 23}
